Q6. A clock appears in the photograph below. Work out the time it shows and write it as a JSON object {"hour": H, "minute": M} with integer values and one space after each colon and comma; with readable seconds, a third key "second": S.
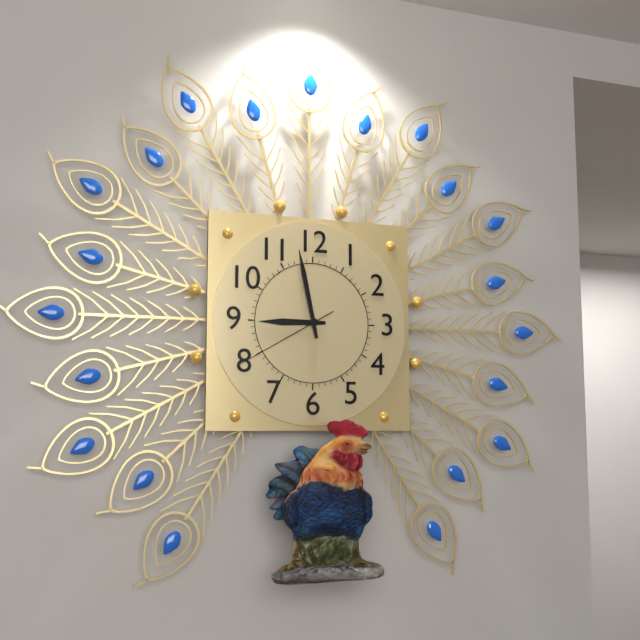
{"hour": 8, "minute": 58, "second": 40}
